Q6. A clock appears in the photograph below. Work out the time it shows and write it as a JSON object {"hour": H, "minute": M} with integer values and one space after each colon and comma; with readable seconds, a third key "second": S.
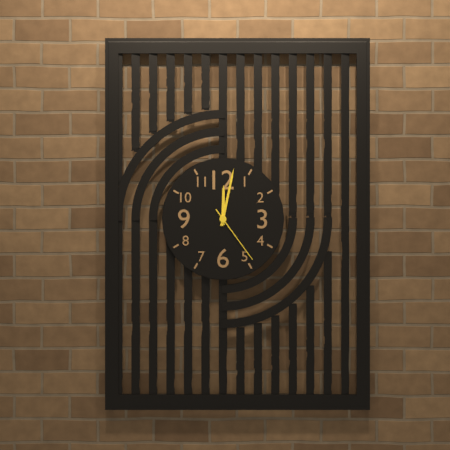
{"hour": 12, "minute": 2, "second": 24}
